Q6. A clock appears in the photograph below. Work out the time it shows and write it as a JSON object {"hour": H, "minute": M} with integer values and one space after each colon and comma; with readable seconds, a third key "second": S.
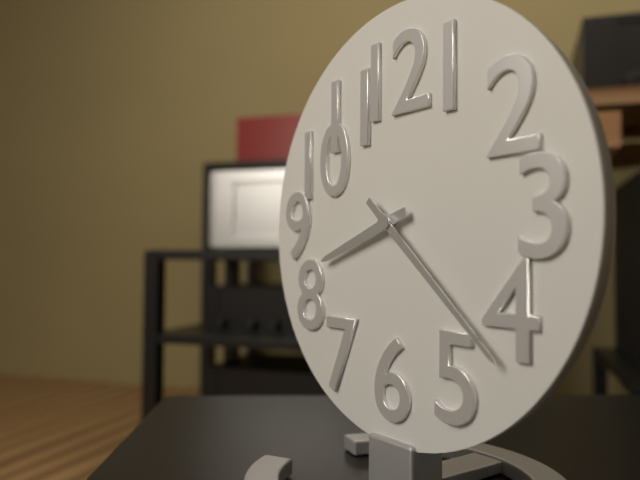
{"hour": 8, "minute": 22}
